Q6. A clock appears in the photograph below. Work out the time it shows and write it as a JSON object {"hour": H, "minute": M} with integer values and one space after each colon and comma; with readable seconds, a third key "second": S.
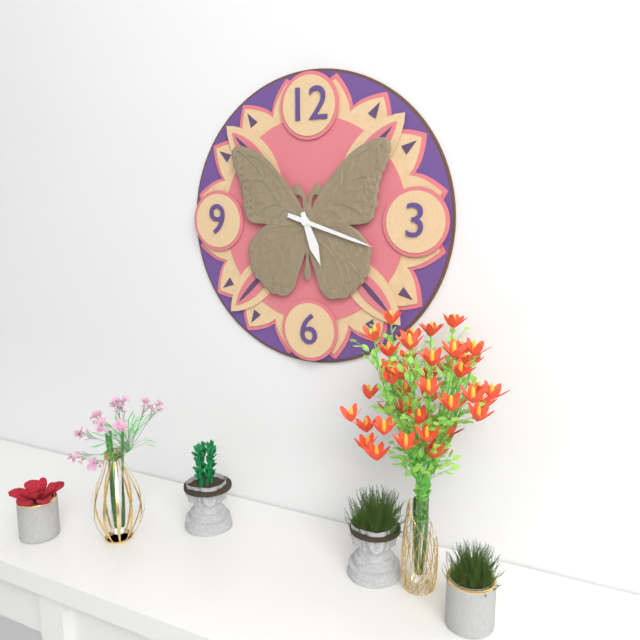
{"hour": 5, "minute": 18}
